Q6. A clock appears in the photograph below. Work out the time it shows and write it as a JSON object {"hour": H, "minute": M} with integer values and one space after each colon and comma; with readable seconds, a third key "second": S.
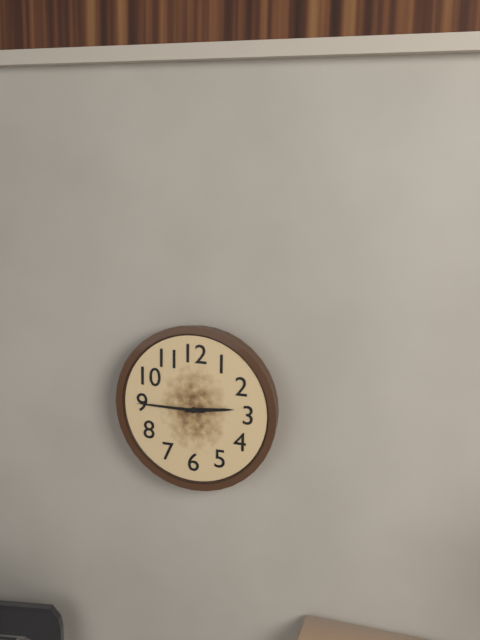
{"hour": 2, "minute": 45}
